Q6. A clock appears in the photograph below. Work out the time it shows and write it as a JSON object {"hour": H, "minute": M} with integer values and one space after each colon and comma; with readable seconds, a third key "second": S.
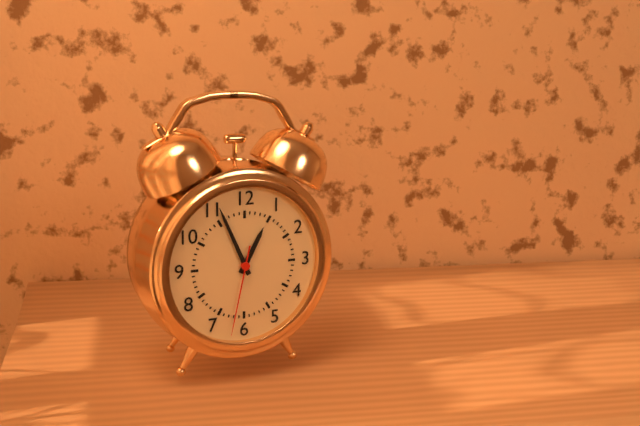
{"hour": 12, "minute": 56, "second": 32}
